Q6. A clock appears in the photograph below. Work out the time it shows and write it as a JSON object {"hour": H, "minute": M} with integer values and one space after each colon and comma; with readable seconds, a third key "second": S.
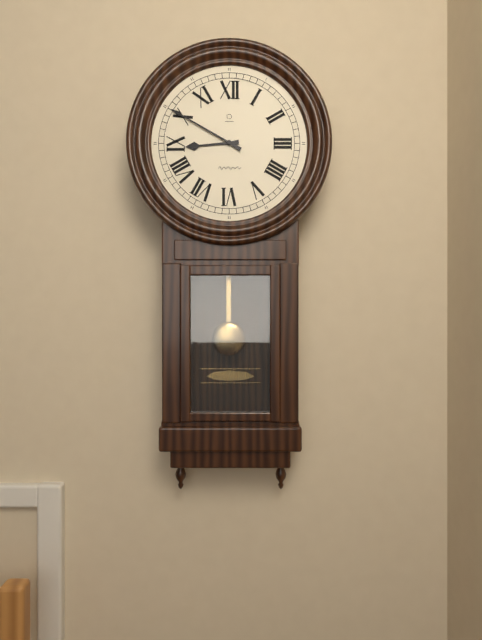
{"hour": 8, "minute": 50}
